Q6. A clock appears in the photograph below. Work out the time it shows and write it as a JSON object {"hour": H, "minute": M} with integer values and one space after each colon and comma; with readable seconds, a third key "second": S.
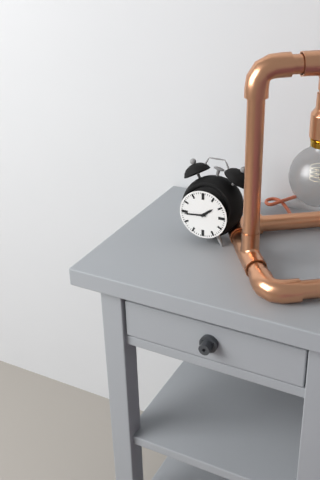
{"hour": 1, "minute": 44}
